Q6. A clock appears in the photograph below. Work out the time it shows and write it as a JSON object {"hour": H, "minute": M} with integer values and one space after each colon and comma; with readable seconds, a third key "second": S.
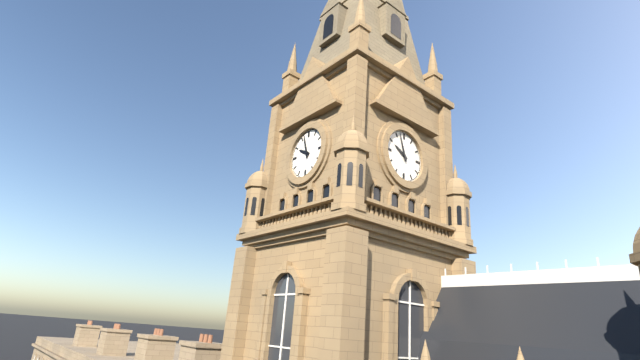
{"hour": 9, "minute": 57}
